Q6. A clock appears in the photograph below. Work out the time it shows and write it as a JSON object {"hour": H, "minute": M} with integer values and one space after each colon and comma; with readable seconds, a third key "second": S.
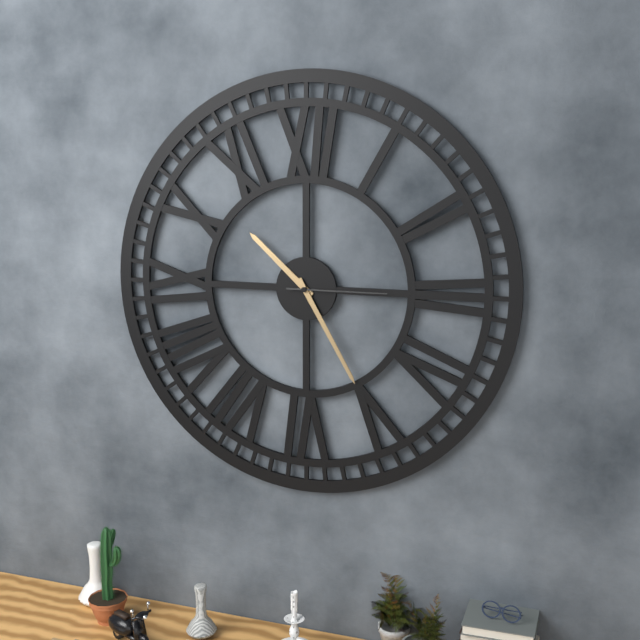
{"hour": 10, "minute": 25, "second": 15}
